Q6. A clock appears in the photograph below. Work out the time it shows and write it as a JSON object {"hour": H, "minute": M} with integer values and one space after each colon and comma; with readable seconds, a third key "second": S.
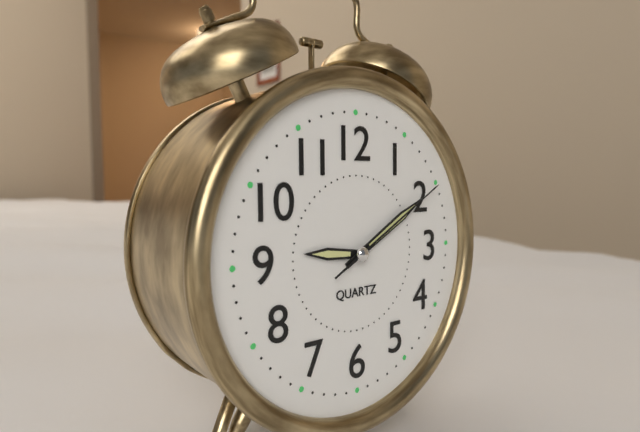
{"hour": 9, "minute": 10, "second": 10}
